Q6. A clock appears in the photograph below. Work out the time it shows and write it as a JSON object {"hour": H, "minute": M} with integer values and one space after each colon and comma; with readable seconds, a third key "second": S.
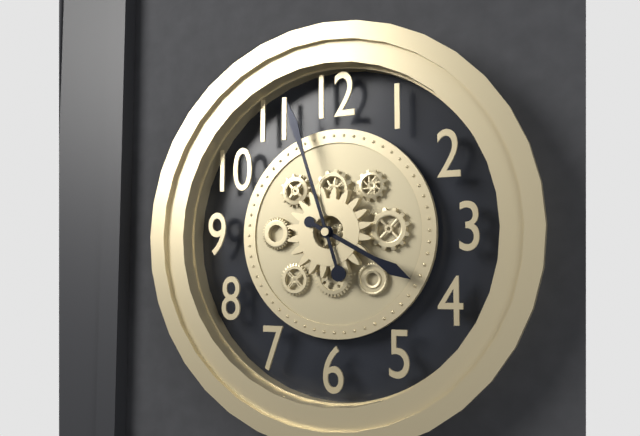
{"hour": 3, "minute": 57}
